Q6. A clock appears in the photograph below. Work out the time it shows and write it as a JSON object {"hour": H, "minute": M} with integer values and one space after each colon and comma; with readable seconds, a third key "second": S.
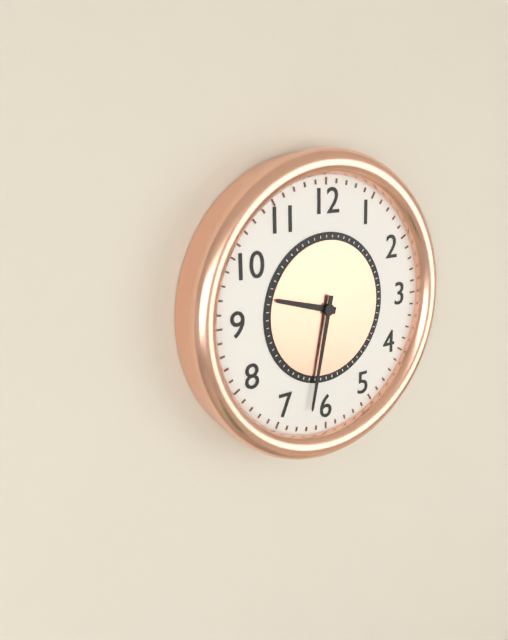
{"hour": 9, "minute": 32}
